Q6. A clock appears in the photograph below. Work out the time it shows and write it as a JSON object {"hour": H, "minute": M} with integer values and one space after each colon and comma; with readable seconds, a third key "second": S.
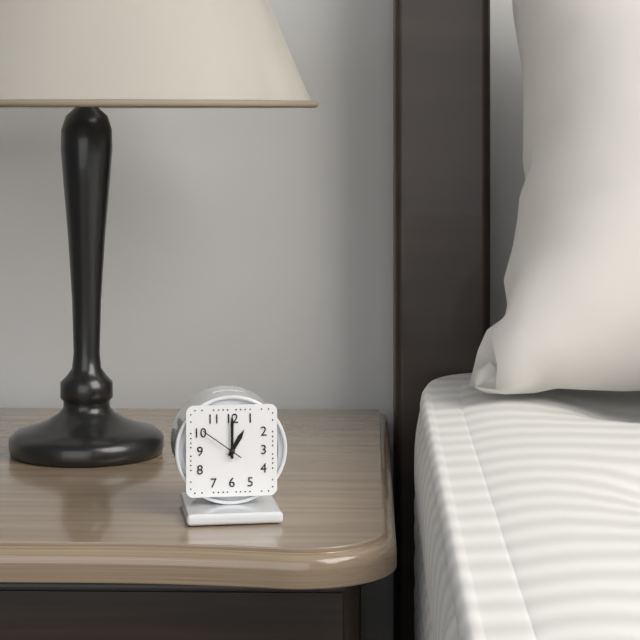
{"hour": 1, "minute": 0}
